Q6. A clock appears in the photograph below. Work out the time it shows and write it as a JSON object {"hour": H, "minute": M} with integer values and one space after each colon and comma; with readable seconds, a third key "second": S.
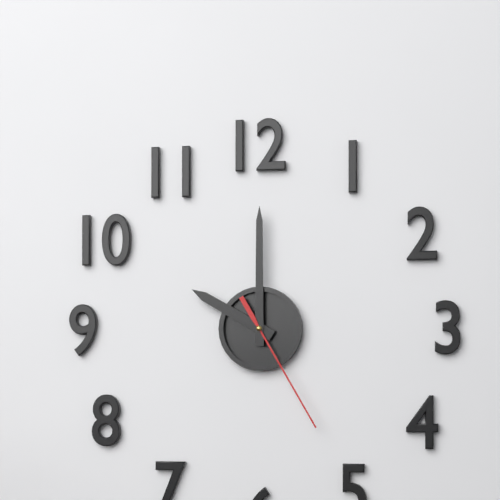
{"hour": 10, "minute": 0, "second": 25}
